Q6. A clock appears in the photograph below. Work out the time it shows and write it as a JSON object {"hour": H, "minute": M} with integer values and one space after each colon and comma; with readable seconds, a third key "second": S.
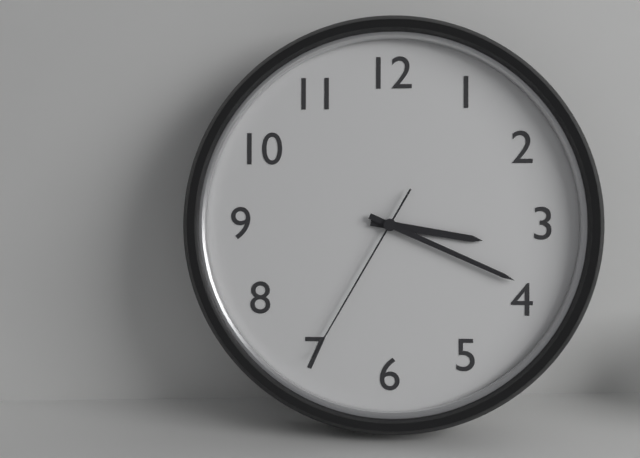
{"hour": 3, "minute": 19, "second": 35}
